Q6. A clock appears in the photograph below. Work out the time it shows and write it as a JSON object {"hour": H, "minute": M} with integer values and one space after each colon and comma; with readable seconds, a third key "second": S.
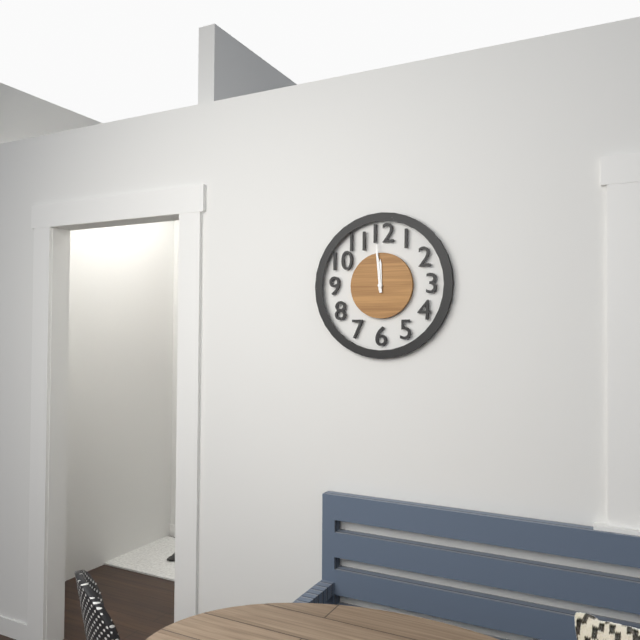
{"hour": 11, "minute": 59}
